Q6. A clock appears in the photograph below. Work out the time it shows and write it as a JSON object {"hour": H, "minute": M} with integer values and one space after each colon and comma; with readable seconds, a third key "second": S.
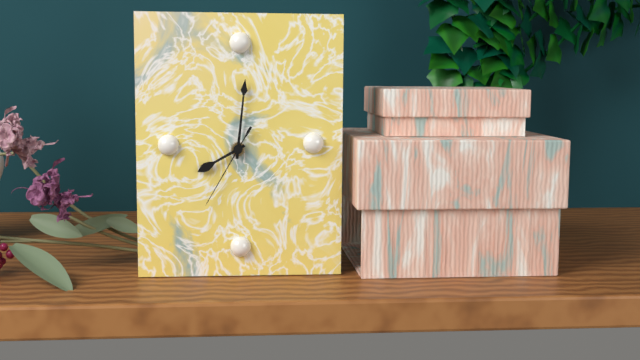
{"hour": 8, "minute": 1, "second": 35}
